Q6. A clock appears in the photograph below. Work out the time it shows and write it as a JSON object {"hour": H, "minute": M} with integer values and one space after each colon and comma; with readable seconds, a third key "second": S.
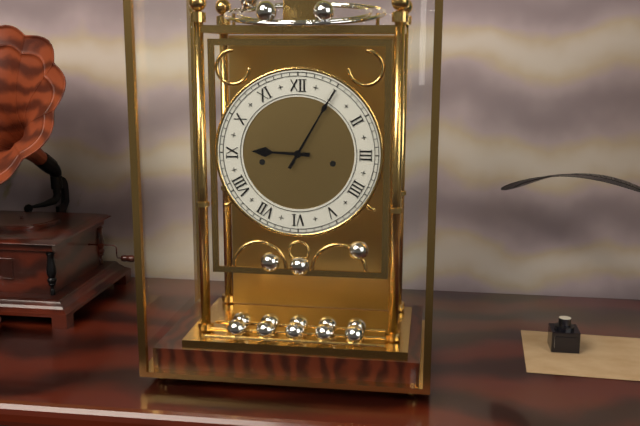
{"hour": 9, "minute": 5}
